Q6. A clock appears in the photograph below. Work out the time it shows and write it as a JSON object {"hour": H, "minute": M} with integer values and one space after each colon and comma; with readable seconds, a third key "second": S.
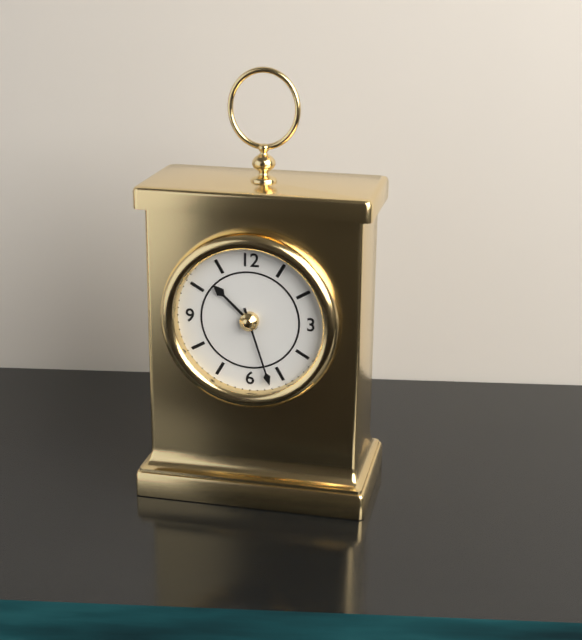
{"hour": 10, "minute": 27}
